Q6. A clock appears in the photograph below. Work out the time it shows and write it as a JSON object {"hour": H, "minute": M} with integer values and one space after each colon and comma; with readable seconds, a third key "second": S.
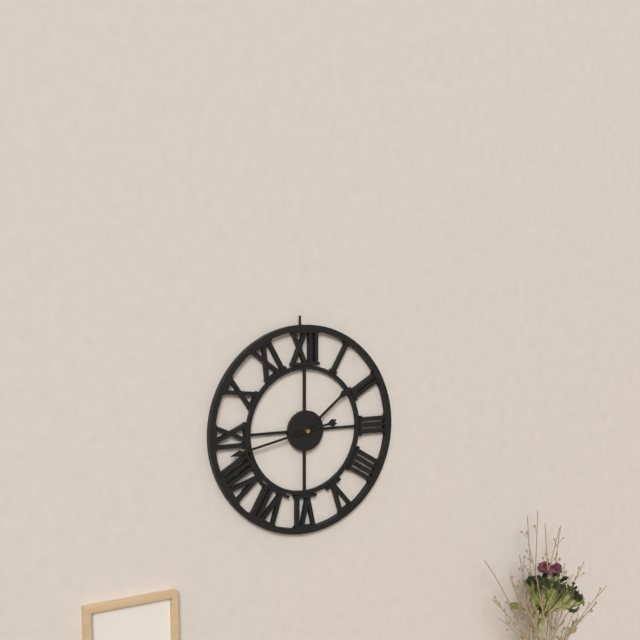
{"hour": 1, "minute": 43}
